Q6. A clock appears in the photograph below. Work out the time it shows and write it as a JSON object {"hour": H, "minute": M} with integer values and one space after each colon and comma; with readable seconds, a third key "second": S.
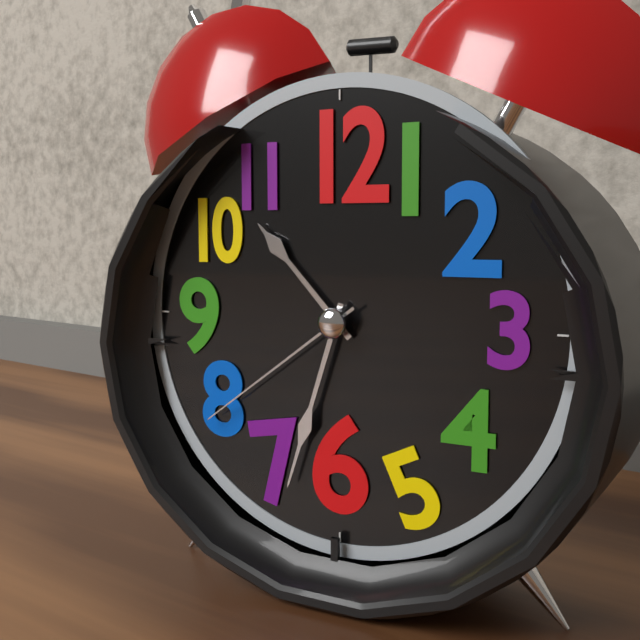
{"hour": 10, "minute": 33, "second": 39}
